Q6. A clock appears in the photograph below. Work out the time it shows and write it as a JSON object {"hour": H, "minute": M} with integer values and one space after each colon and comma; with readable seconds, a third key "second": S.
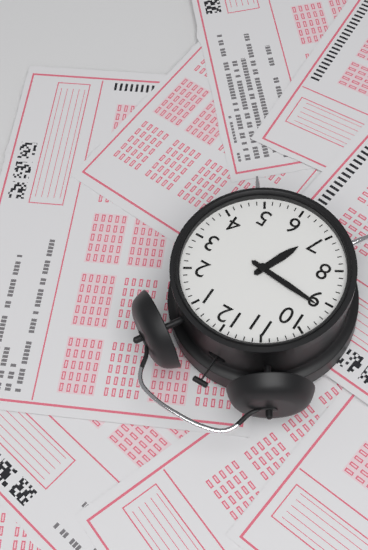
{"hour": 6, "minute": 46}
